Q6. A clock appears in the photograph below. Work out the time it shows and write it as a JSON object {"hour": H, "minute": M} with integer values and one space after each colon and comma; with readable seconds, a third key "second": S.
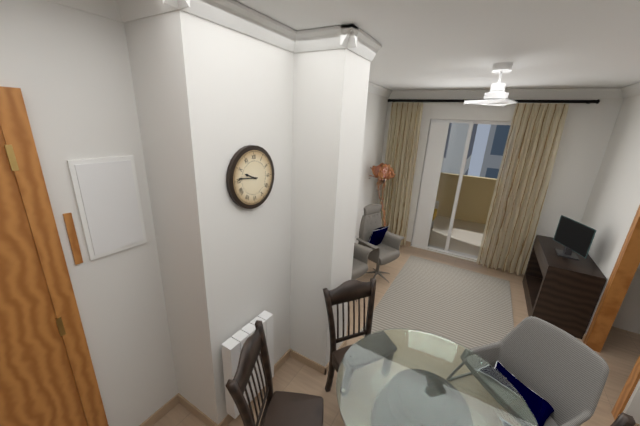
{"hour": 9, "minute": 46}
